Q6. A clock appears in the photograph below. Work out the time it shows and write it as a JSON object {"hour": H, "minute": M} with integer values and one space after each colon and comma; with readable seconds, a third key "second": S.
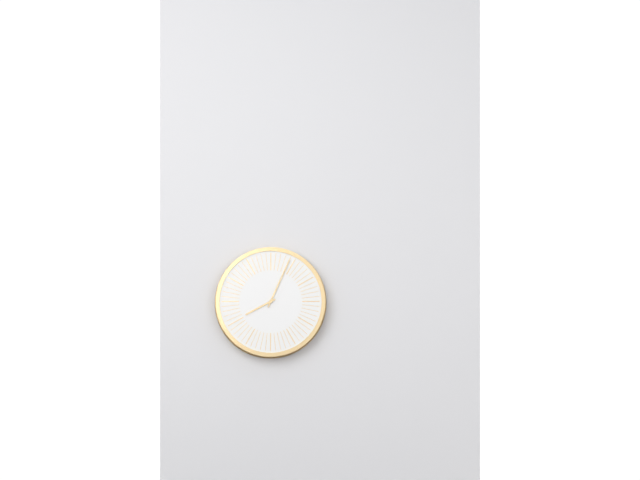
{"hour": 8, "minute": 4}
